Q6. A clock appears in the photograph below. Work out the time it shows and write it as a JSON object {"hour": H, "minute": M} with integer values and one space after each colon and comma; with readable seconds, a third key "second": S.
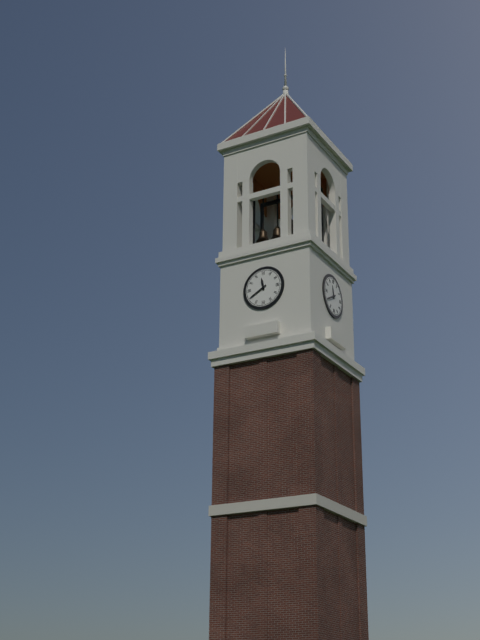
{"hour": 11, "minute": 40}
